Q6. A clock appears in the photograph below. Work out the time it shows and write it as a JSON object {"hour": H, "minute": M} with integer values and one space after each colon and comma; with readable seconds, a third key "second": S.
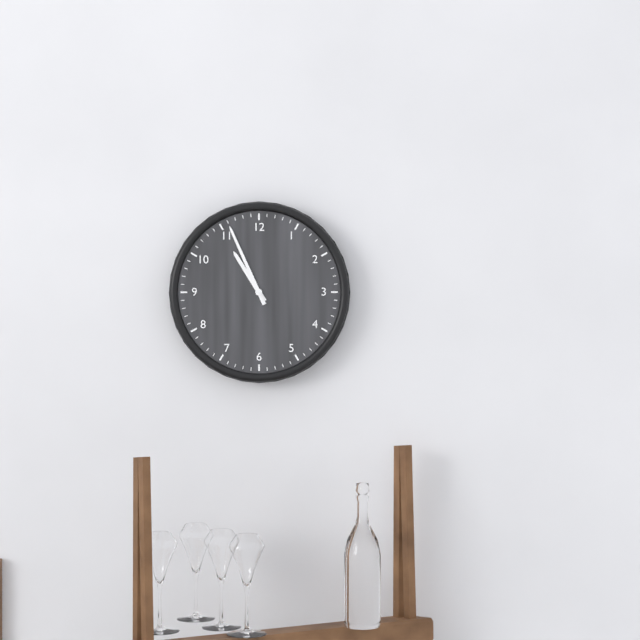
{"hour": 10, "minute": 56}
